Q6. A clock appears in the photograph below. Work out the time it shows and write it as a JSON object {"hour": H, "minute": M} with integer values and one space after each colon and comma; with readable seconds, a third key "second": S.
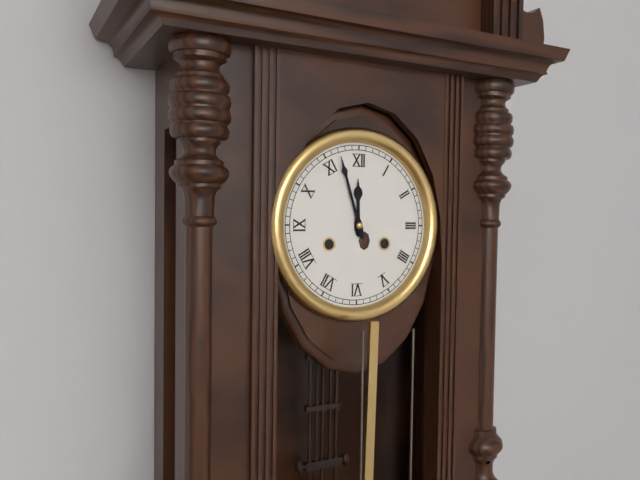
{"hour": 11, "minute": 57}
